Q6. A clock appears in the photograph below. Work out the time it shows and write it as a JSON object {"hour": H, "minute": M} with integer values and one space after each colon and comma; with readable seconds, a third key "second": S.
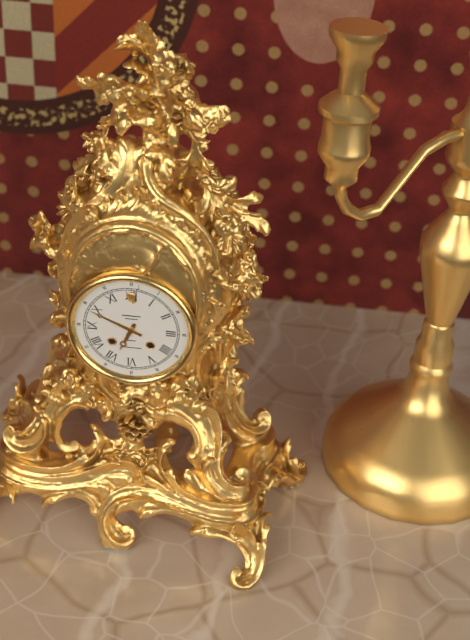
{"hour": 6, "minute": 49}
